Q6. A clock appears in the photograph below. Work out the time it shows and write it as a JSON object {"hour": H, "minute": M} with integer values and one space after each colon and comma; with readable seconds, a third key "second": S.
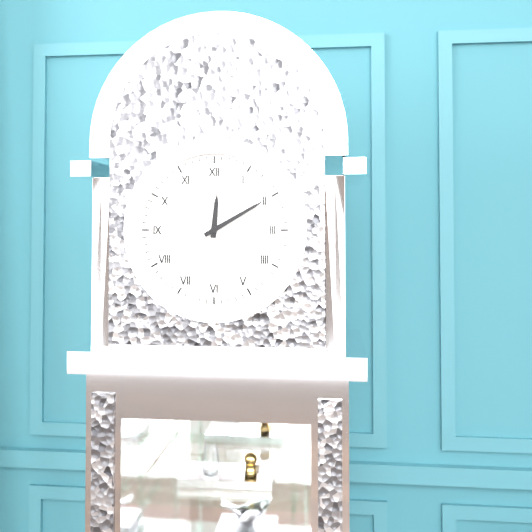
{"hour": 12, "minute": 10}
